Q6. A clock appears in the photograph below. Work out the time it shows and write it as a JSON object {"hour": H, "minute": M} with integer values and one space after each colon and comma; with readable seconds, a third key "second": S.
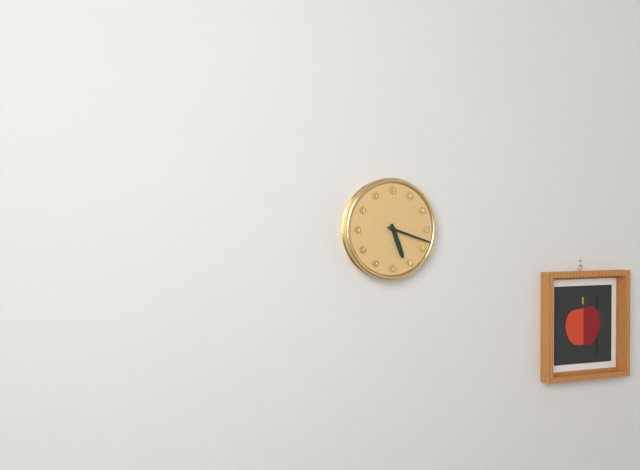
{"hour": 5, "minute": 18}
